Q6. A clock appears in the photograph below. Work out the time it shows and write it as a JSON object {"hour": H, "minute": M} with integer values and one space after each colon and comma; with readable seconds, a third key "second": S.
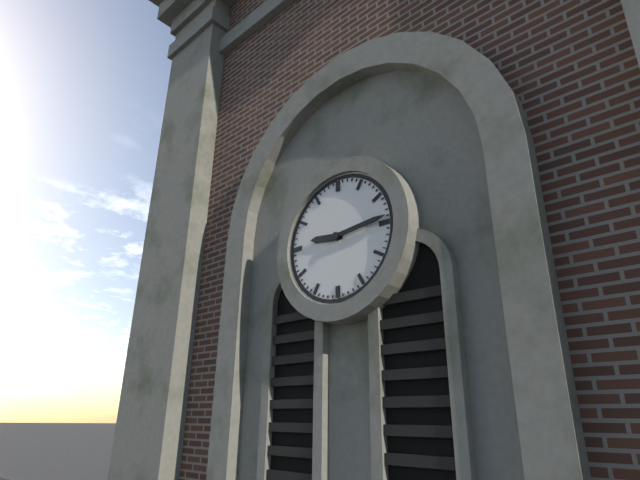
{"hour": 9, "minute": 14}
